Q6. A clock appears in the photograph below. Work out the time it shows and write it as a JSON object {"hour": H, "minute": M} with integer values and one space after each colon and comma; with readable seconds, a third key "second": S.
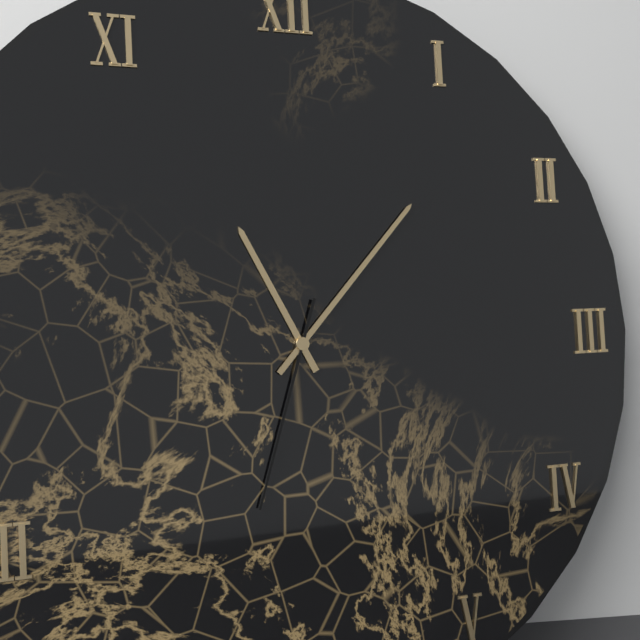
{"hour": 11, "minute": 7, "second": 33}
